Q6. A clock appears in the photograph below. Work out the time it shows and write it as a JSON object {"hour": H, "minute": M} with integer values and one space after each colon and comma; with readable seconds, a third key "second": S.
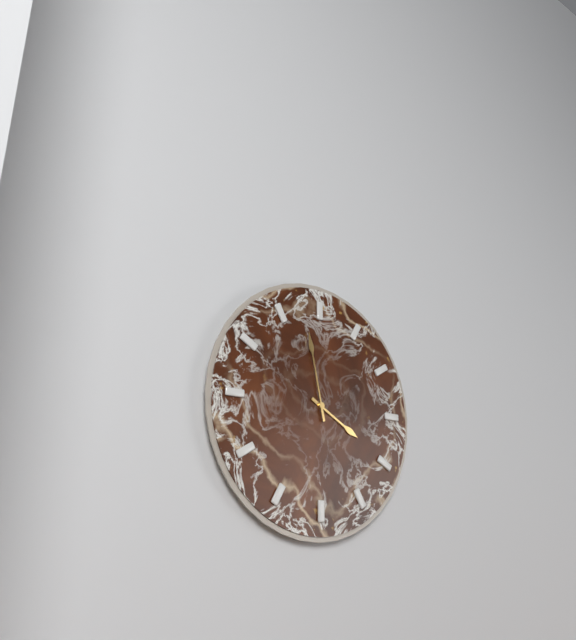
{"hour": 3, "minute": 58}
